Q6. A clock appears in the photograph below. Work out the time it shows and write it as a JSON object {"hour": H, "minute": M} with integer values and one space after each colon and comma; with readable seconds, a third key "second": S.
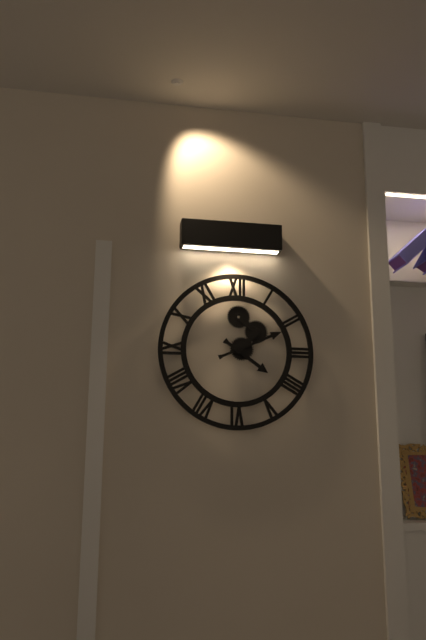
{"hour": 4, "minute": 11}
